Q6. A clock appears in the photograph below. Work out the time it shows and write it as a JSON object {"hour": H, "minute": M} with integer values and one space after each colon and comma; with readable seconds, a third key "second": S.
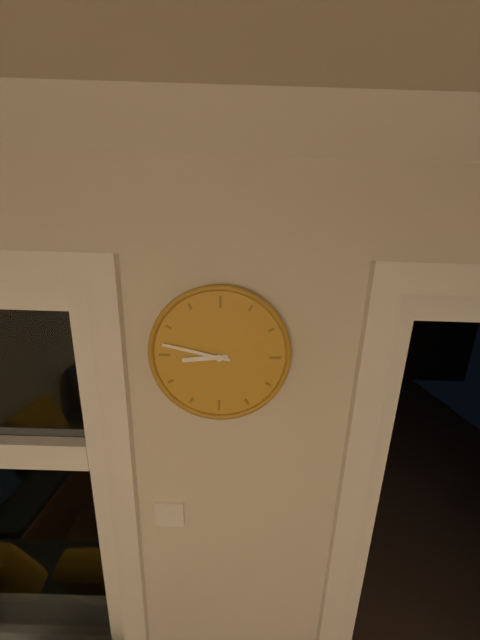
{"hour": 8, "minute": 47}
